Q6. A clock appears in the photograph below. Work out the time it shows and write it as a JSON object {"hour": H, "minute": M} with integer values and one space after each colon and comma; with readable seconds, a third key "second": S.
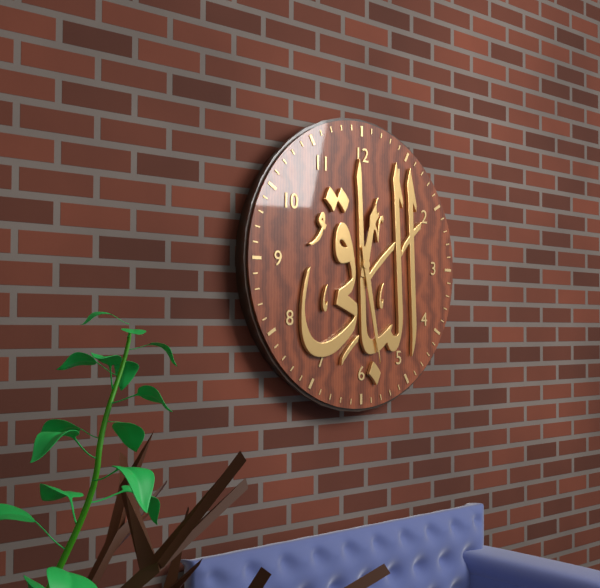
{"hour": 12, "minute": 28}
